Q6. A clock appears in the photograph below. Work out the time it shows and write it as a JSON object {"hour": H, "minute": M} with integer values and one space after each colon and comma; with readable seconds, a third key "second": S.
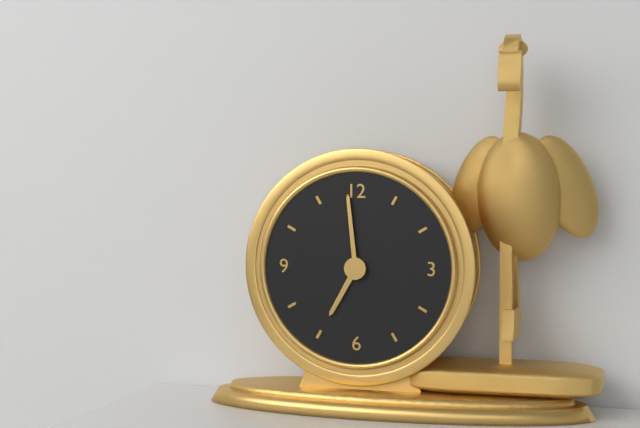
{"hour": 6, "minute": 59}
